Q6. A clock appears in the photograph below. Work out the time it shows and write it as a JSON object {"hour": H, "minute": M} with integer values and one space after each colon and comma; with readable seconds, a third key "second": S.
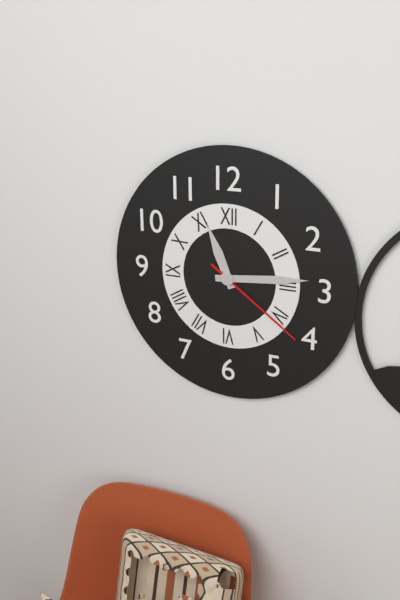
{"hour": 11, "minute": 14, "second": 21}
